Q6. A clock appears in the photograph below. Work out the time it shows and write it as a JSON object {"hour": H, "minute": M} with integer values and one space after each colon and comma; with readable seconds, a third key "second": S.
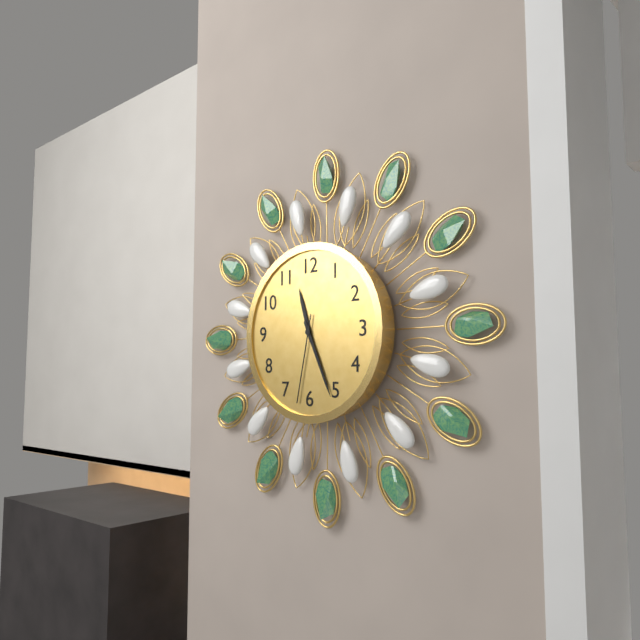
{"hour": 11, "minute": 26, "second": 32}
